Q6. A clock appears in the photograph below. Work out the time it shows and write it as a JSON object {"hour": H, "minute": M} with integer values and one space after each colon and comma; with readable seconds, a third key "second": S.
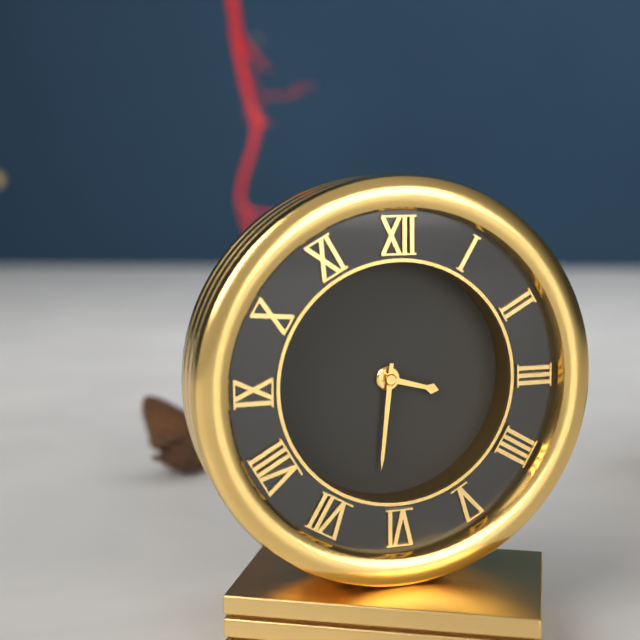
{"hour": 3, "minute": 31}
